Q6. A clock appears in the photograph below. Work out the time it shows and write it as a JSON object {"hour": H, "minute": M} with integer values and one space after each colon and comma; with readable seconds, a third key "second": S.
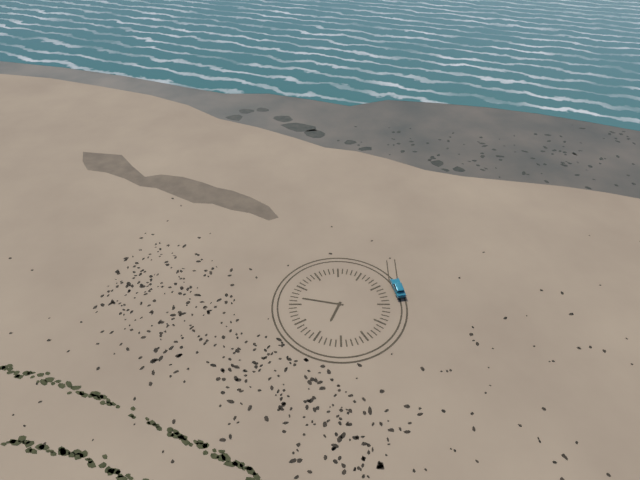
{"hour": 6, "minute": 47}
